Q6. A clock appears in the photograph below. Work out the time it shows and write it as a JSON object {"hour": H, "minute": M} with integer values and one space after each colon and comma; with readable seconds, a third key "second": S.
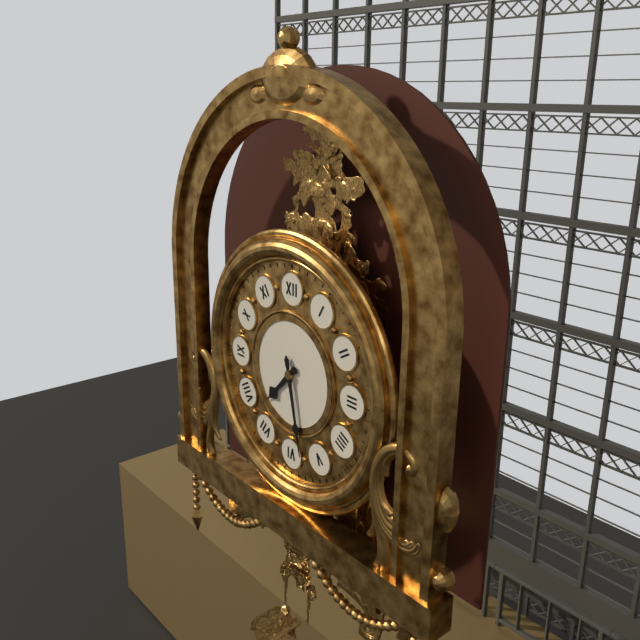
{"hour": 7, "minute": 28}
